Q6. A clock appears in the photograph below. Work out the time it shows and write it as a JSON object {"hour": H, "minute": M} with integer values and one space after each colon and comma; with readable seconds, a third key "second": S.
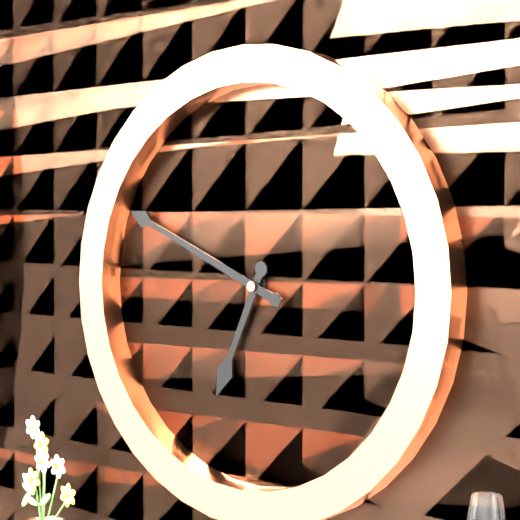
{"hour": 6, "minute": 49}
